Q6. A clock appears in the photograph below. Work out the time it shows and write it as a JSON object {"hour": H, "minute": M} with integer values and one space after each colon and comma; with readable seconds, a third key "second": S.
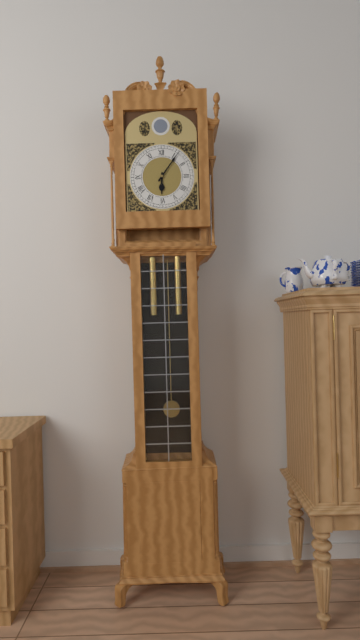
{"hour": 6, "minute": 6}
